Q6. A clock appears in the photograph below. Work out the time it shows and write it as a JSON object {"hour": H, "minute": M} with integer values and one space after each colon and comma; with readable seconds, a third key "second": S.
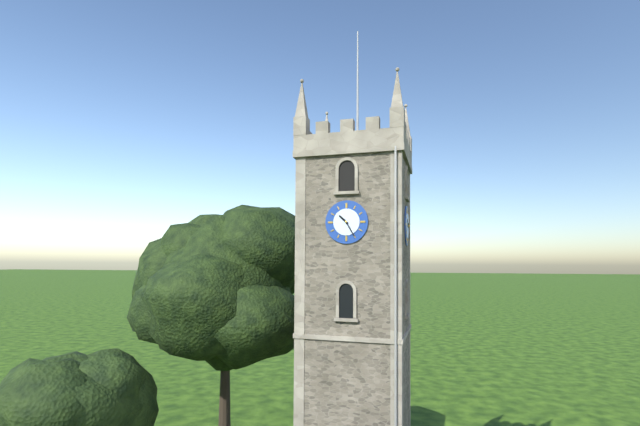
{"hour": 10, "minute": 25}
